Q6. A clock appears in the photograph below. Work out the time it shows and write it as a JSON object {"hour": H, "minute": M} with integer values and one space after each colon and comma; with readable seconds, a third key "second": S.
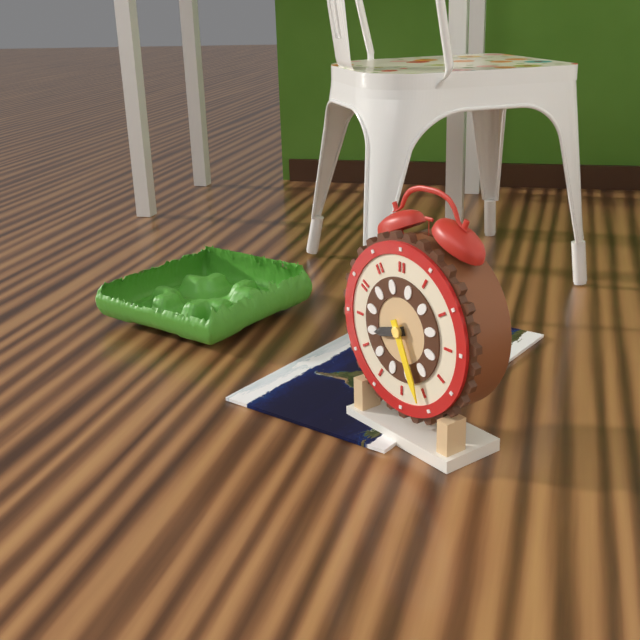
{"hour": 8, "minute": 26}
